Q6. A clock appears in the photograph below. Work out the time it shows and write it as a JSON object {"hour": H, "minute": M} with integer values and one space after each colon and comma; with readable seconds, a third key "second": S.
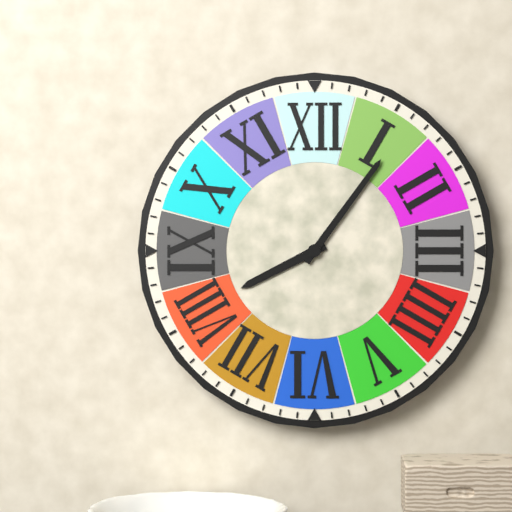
{"hour": 8, "minute": 6}
